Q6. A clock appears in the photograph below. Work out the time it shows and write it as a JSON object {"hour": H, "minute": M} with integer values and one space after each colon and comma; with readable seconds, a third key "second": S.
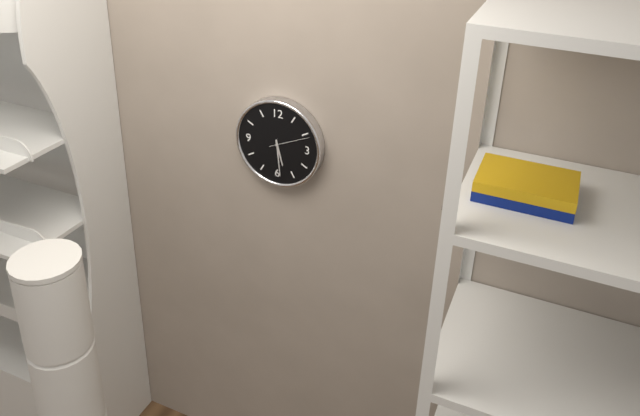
{"hour": 5, "minute": 29}
